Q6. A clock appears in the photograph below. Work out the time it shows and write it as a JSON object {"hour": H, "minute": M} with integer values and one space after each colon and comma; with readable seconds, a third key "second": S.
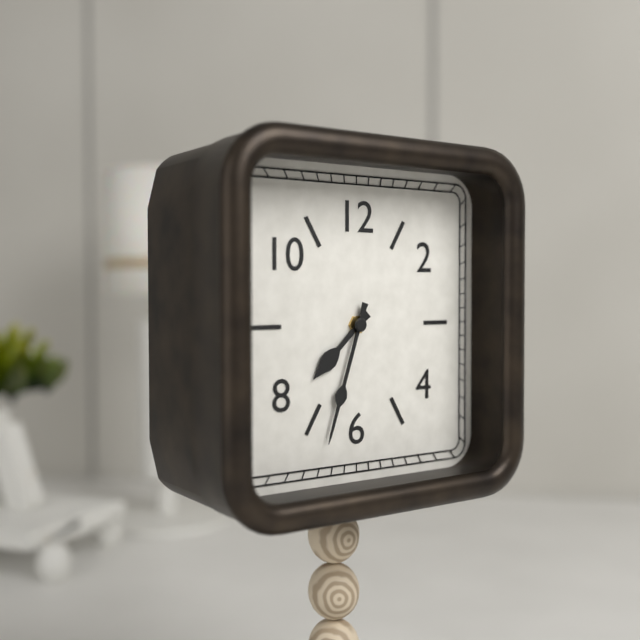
{"hour": 7, "minute": 33}
